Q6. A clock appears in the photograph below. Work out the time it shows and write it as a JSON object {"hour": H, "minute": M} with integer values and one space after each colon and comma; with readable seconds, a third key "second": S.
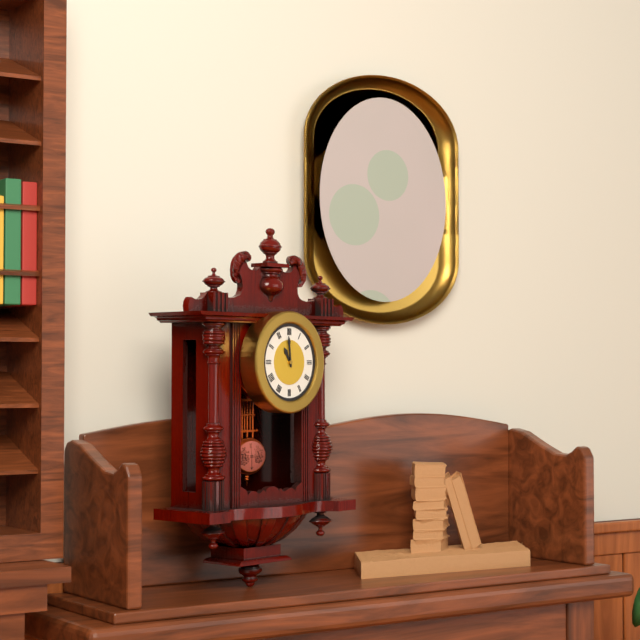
{"hour": 10, "minute": 59}
